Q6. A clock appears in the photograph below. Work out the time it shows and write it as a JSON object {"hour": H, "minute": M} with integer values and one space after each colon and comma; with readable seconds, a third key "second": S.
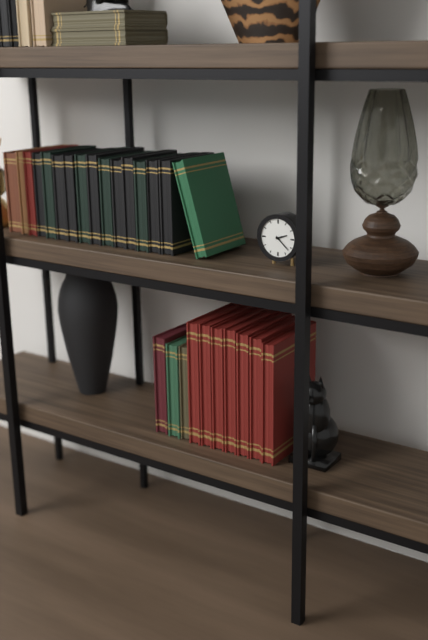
{"hour": 2, "minute": 22}
